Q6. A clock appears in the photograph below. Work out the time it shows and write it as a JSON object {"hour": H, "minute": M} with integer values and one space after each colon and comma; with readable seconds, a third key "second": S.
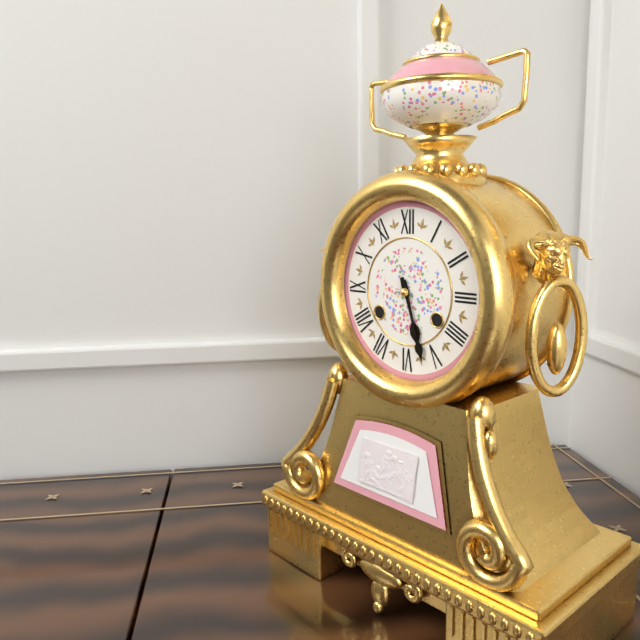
{"hour": 5, "minute": 27}
